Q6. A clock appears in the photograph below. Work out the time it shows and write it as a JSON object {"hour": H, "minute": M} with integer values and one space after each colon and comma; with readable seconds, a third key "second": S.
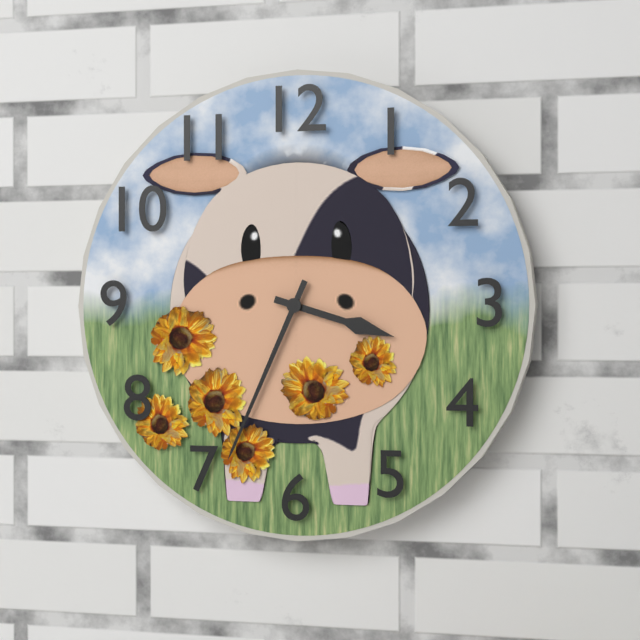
{"hour": 3, "minute": 34}
